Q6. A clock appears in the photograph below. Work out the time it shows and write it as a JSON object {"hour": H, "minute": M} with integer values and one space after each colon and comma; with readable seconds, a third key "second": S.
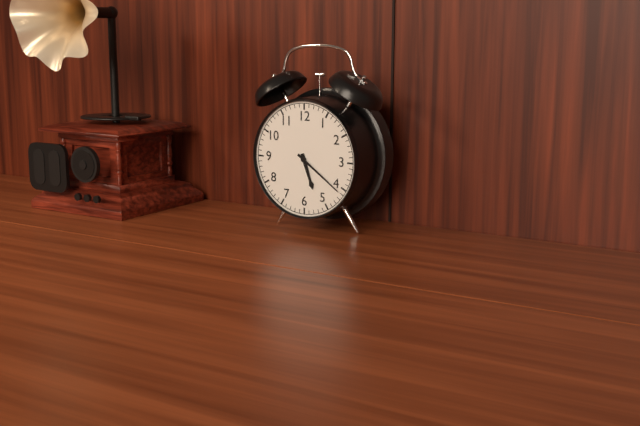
{"hour": 5, "minute": 21}
